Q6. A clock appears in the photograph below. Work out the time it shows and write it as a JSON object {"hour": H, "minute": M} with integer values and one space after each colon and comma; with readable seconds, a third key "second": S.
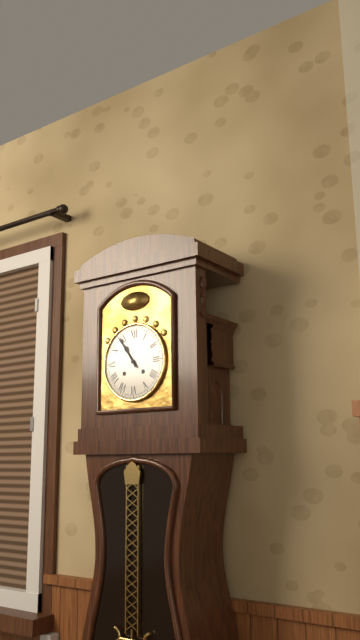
{"hour": 10, "minute": 54}
